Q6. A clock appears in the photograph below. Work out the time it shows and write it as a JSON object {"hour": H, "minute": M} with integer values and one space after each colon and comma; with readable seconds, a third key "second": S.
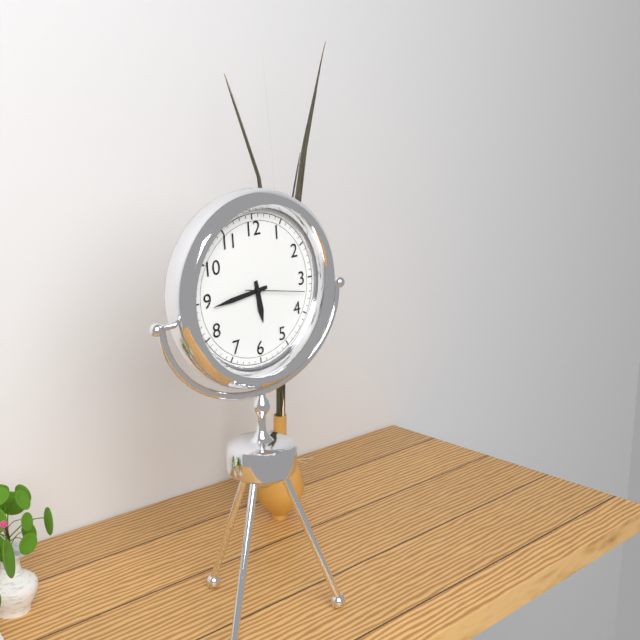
{"hour": 5, "minute": 44, "second": 17}
